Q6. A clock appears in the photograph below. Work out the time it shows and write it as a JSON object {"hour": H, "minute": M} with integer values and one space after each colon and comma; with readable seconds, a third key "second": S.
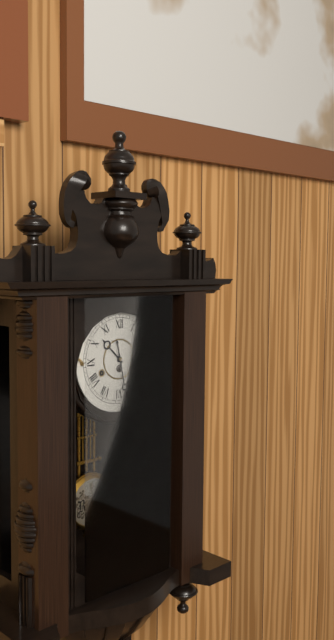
{"hour": 10, "minute": 28}
